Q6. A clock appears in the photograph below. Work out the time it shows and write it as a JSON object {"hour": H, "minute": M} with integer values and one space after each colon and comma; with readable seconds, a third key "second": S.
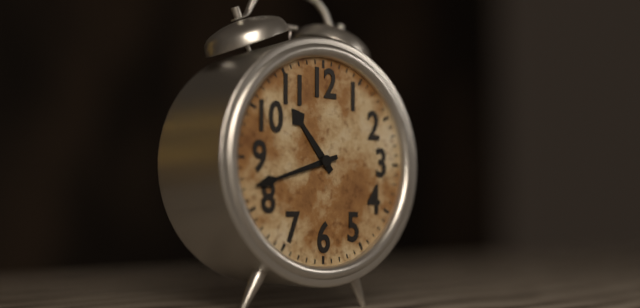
{"hour": 10, "minute": 42}
